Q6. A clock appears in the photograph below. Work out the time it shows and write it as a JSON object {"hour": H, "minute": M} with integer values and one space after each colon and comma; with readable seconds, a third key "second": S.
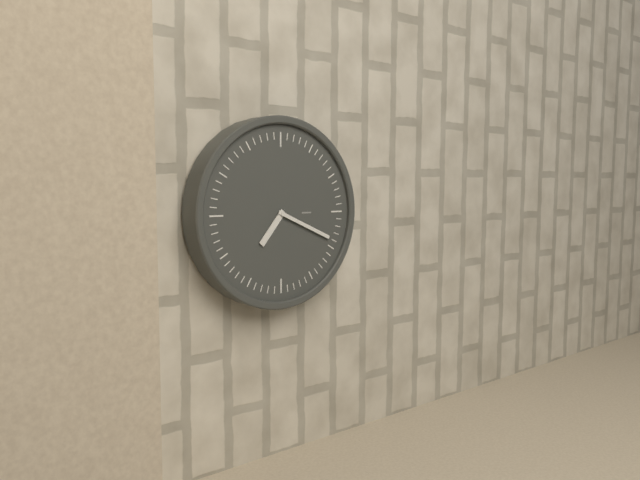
{"hour": 7, "minute": 19}
